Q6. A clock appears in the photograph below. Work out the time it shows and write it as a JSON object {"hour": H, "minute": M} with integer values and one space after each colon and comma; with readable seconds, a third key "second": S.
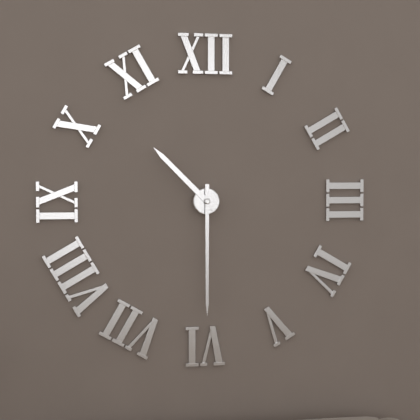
{"hour": 10, "minute": 30}
